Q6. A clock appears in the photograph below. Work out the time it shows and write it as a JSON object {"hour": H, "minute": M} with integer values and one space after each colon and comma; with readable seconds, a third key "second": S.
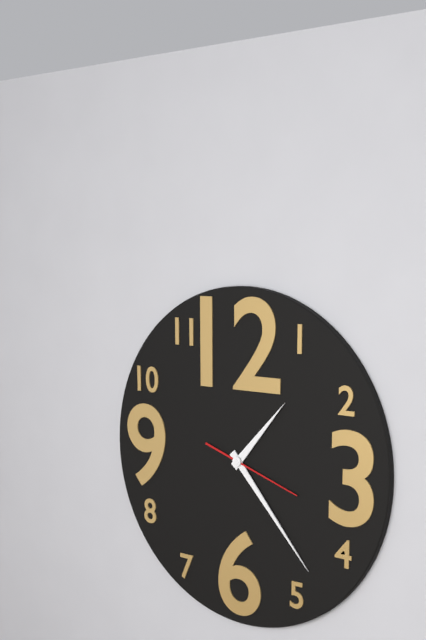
{"hour": 1, "minute": 23, "second": 18}
